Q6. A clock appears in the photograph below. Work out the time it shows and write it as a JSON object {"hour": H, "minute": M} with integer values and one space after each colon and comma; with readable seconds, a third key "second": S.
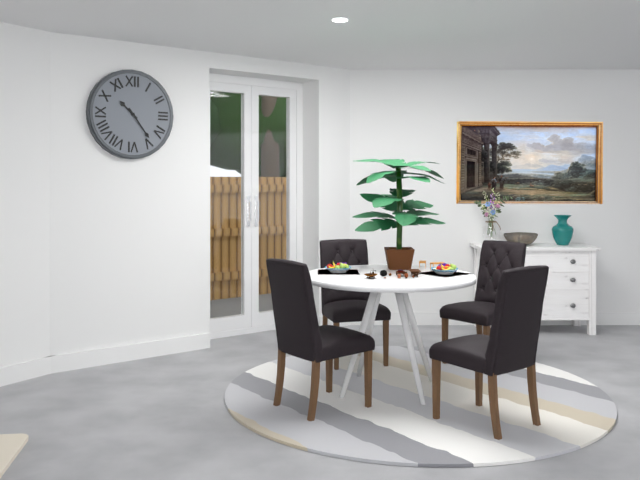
{"hour": 10, "minute": 24}
